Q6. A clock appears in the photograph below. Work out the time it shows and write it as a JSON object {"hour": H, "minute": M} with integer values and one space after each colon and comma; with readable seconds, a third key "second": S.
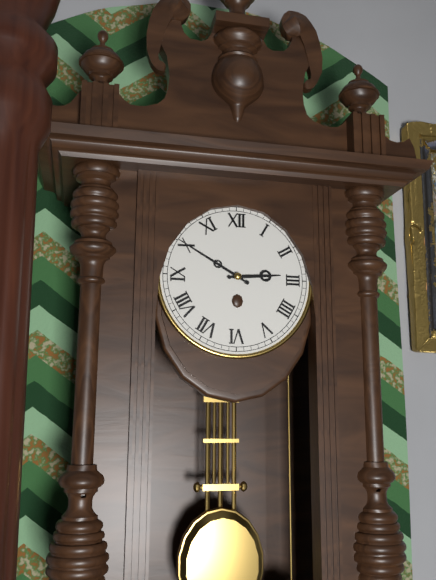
{"hour": 2, "minute": 50}
